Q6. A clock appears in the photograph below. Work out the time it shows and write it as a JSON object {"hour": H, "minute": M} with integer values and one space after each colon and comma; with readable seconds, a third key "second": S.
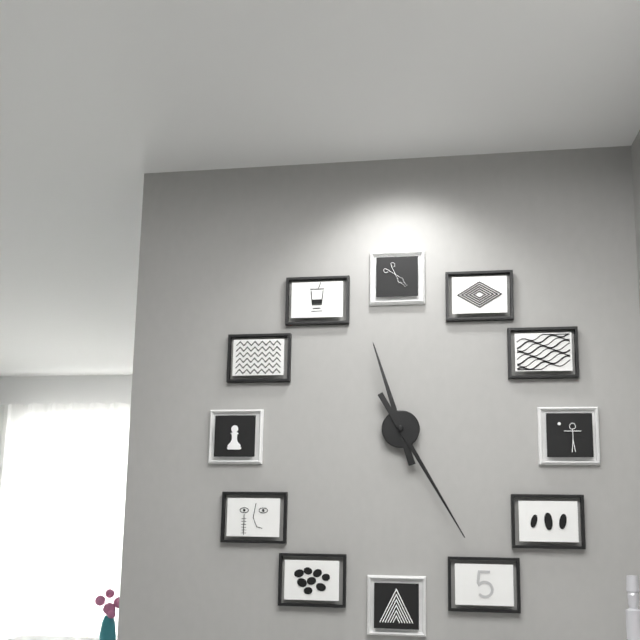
{"hour": 11, "minute": 25}
